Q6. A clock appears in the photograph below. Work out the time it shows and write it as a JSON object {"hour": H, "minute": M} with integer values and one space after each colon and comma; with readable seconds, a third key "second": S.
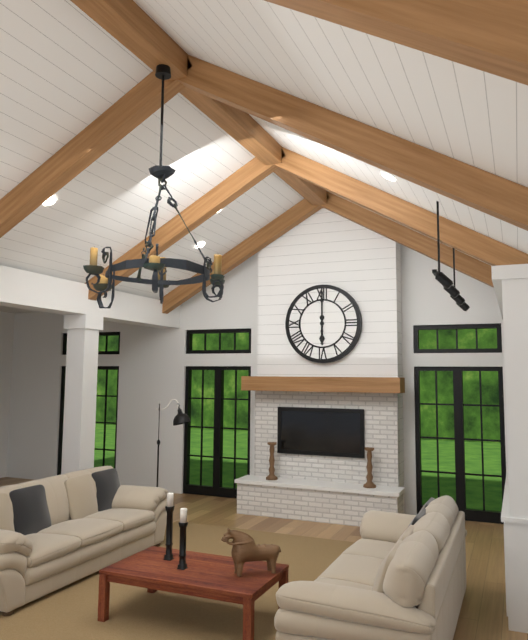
{"hour": 6, "minute": 0}
